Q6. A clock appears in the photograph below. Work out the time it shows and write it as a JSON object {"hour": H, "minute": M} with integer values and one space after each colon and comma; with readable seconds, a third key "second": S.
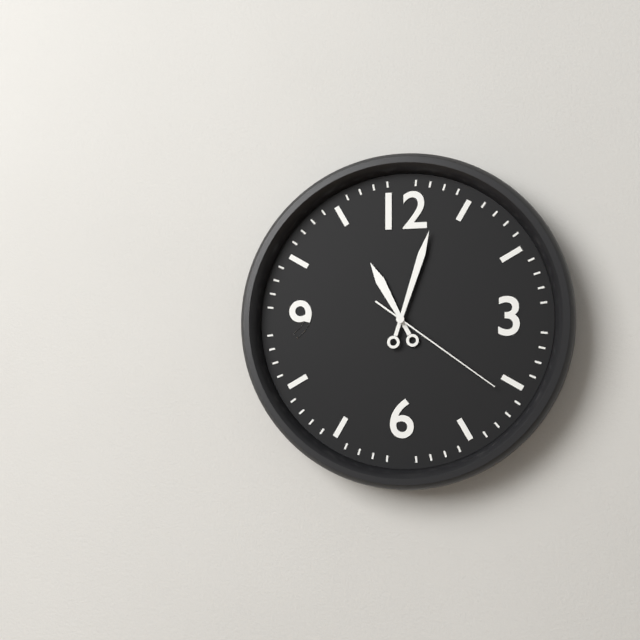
{"hour": 11, "minute": 3, "second": 21}
